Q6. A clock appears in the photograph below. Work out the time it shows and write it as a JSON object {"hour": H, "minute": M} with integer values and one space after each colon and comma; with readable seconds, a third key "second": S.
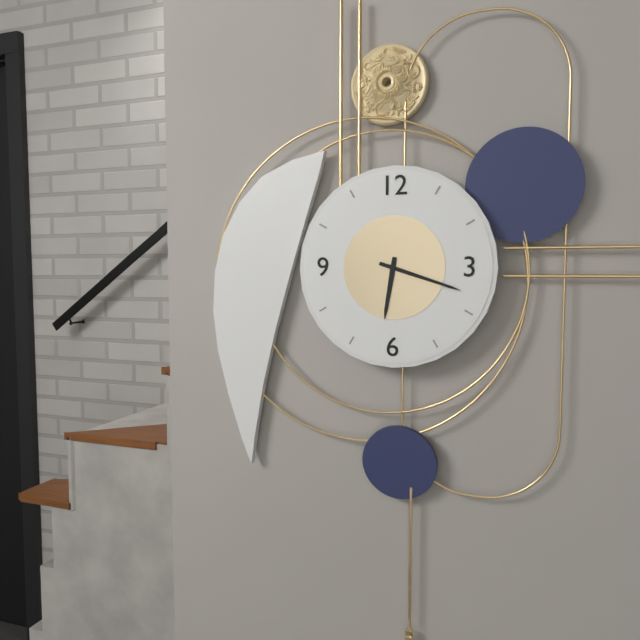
{"hour": 6, "minute": 18}
